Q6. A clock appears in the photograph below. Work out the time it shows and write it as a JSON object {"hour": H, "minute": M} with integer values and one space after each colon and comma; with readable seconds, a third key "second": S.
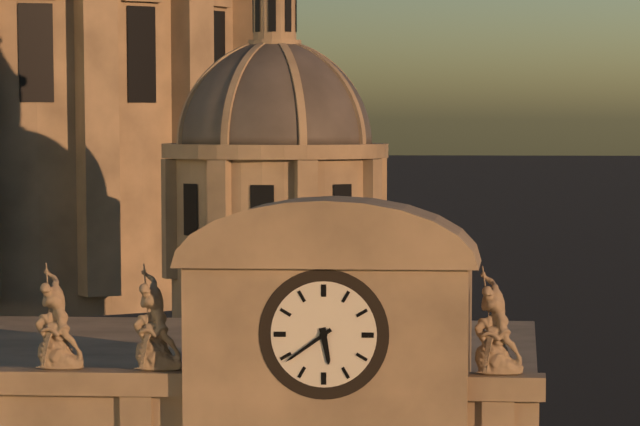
{"hour": 5, "minute": 39}
